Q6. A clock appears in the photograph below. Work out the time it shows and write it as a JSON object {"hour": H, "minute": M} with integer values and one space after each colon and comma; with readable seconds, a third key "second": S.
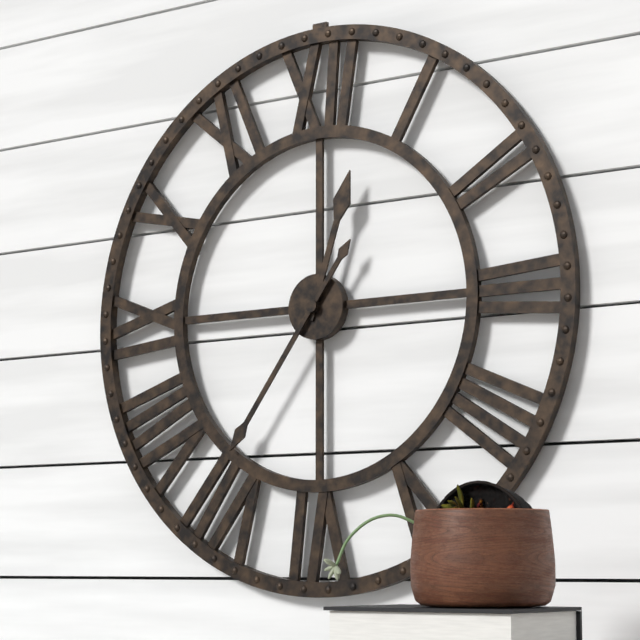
{"hour": 12, "minute": 36}
